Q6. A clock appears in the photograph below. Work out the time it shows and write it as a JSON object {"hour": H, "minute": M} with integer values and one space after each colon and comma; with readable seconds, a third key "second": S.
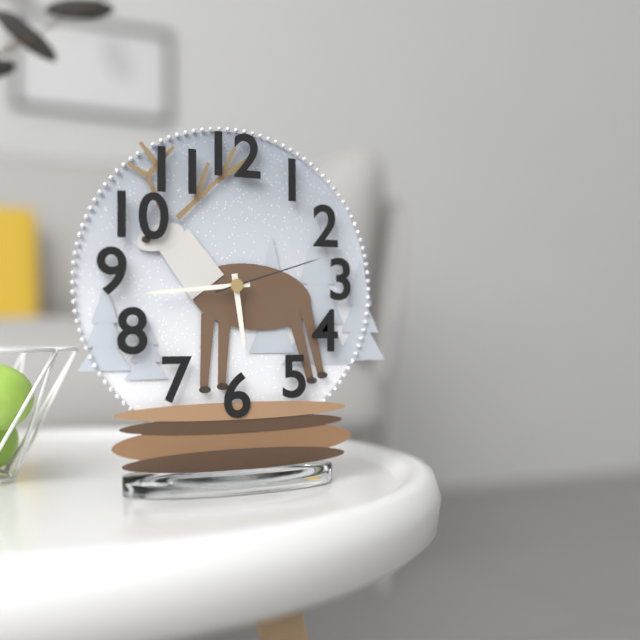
{"hour": 5, "minute": 44, "second": 12}
